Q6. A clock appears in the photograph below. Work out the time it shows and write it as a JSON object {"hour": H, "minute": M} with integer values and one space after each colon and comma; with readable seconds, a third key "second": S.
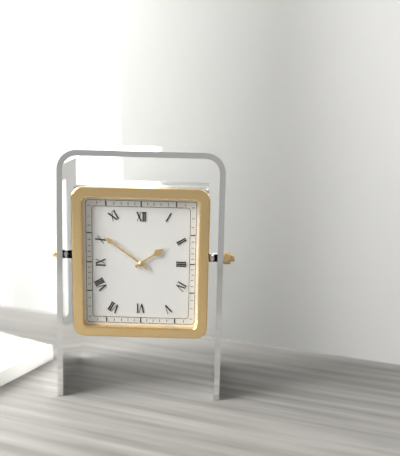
{"hour": 1, "minute": 51}
